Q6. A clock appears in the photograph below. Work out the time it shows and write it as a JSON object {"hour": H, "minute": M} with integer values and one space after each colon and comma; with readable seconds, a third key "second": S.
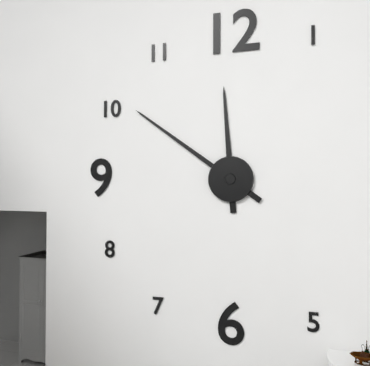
{"hour": 11, "minute": 51}
